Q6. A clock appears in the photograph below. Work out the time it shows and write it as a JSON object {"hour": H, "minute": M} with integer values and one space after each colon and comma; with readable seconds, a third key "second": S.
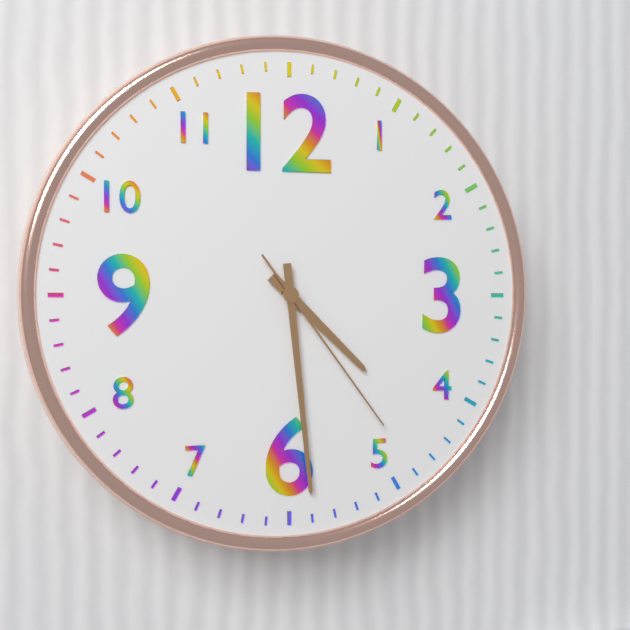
{"hour": 4, "minute": 29, "second": 24}
